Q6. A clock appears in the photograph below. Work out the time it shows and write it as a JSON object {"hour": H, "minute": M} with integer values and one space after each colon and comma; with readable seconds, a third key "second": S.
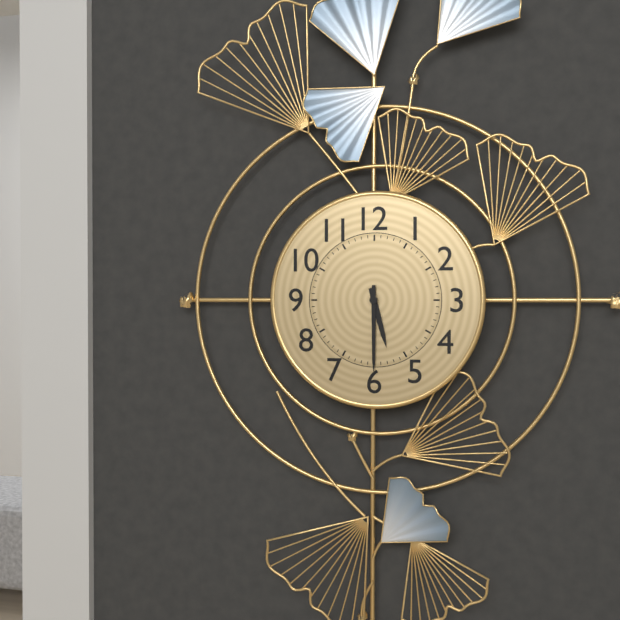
{"hour": 5, "minute": 30}
